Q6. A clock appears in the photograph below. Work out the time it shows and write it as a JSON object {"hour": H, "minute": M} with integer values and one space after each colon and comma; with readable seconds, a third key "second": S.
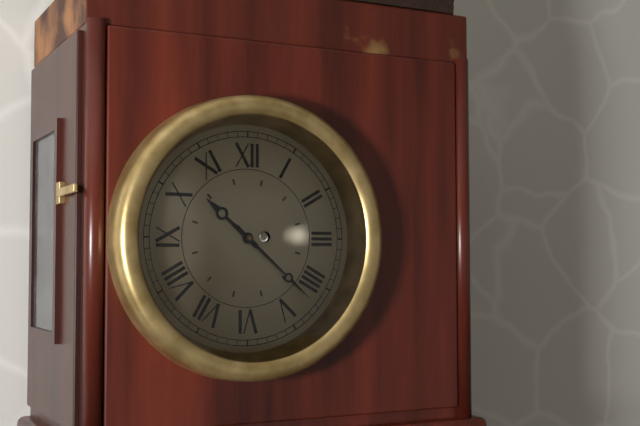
{"hour": 10, "minute": 22}
